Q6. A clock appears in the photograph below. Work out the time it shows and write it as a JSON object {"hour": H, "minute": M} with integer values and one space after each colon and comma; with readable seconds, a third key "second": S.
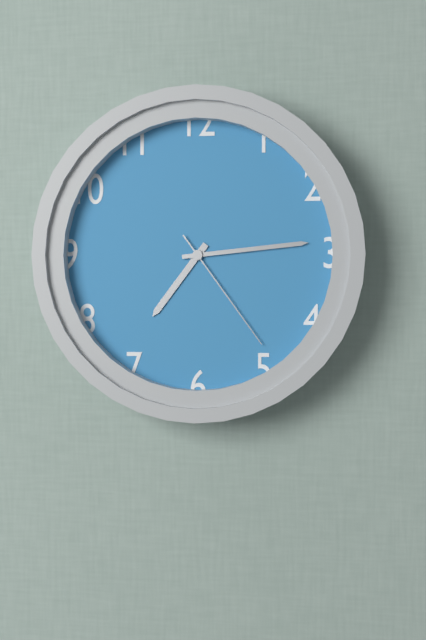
{"hour": 7, "minute": 14, "second": 24}
